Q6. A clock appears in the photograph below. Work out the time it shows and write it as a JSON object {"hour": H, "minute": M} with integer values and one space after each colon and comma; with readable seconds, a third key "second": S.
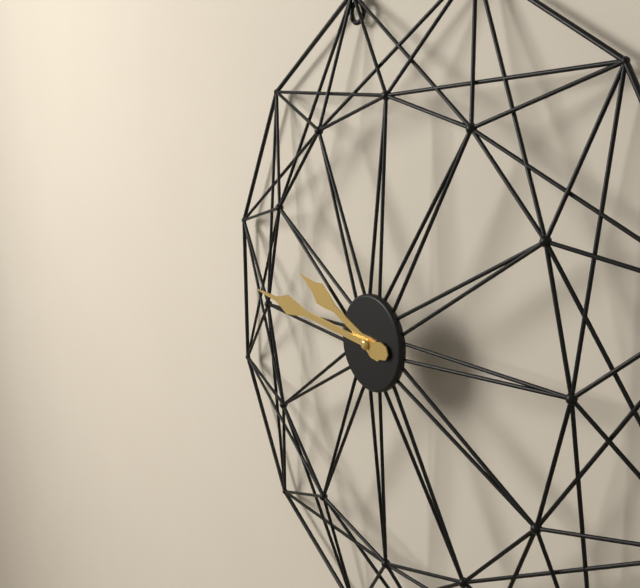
{"hour": 9, "minute": 46}
